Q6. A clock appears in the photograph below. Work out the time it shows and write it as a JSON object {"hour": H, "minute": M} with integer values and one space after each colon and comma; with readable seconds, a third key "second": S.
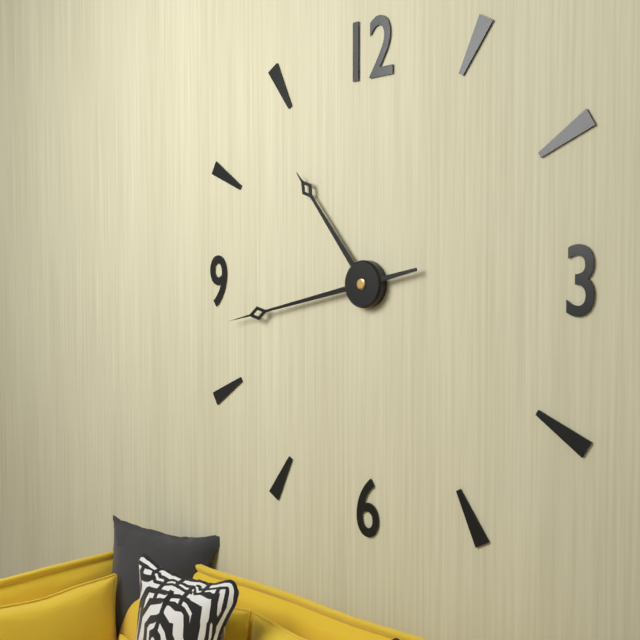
{"hour": 10, "minute": 43}
